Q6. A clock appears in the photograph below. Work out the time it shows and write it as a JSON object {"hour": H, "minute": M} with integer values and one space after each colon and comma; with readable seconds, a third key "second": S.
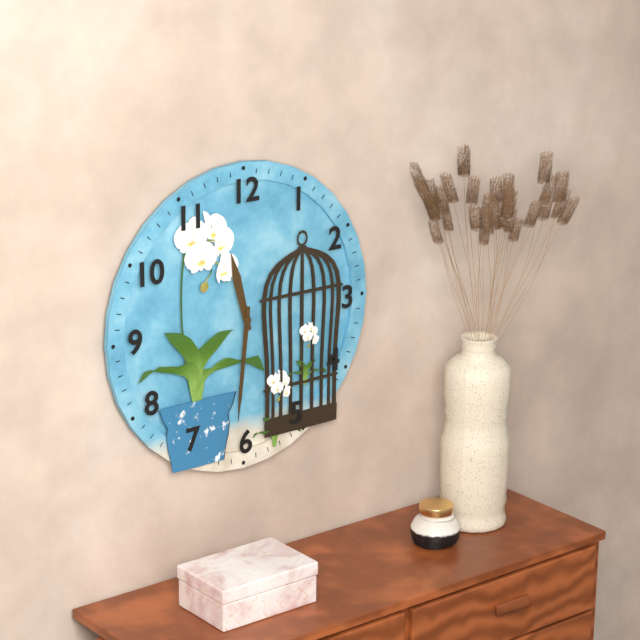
{"hour": 11, "minute": 31}
